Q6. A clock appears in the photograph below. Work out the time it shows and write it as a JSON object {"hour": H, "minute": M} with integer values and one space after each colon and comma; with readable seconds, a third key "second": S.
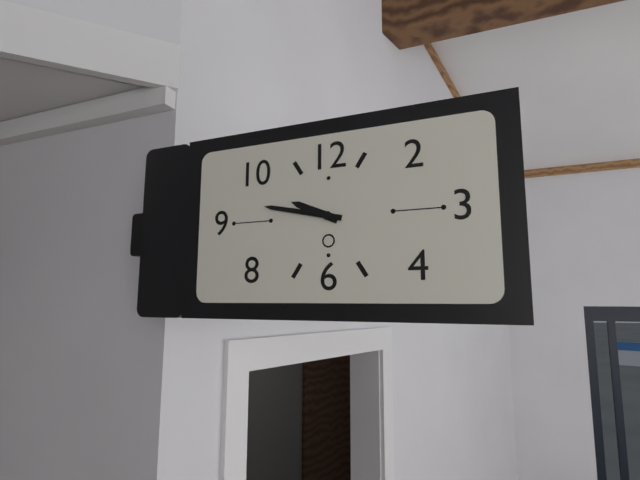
{"hour": 9, "minute": 47}
